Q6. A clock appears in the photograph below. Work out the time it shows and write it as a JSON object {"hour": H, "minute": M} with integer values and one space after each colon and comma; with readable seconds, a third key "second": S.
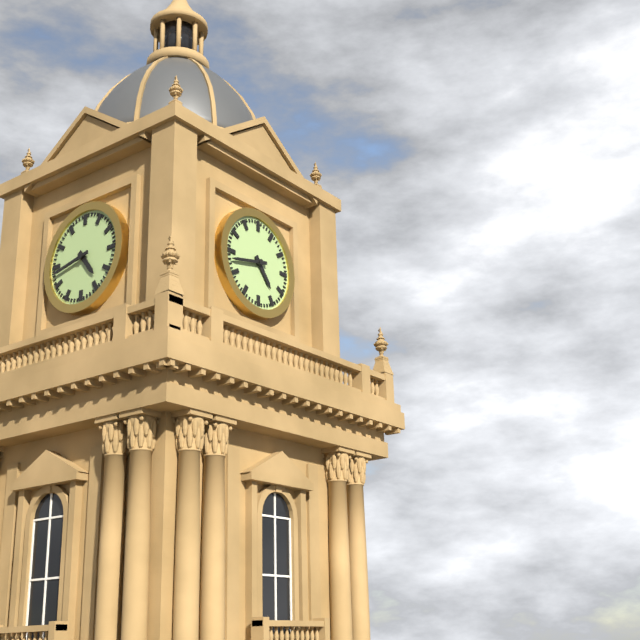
{"hour": 4, "minute": 43}
